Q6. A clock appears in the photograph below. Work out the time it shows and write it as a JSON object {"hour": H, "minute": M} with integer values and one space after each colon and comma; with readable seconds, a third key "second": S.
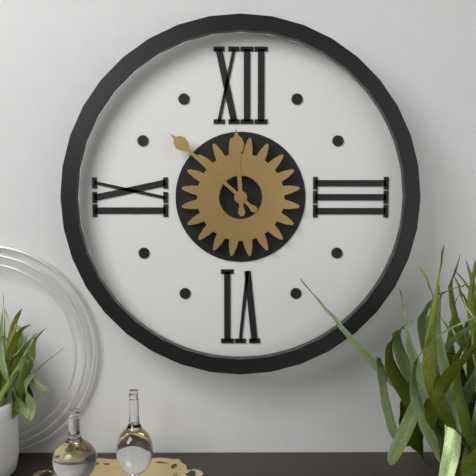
{"hour": 11, "minute": 52}
